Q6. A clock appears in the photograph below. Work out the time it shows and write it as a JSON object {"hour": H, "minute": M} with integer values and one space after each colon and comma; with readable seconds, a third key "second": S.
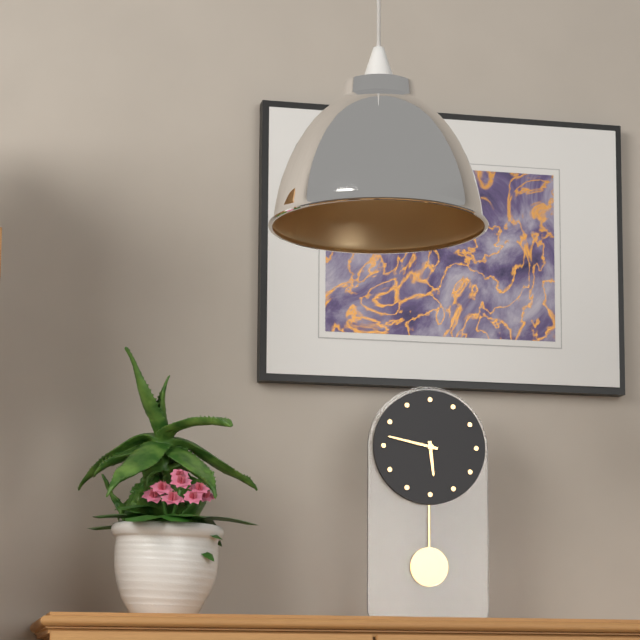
{"hour": 5, "minute": 47}
